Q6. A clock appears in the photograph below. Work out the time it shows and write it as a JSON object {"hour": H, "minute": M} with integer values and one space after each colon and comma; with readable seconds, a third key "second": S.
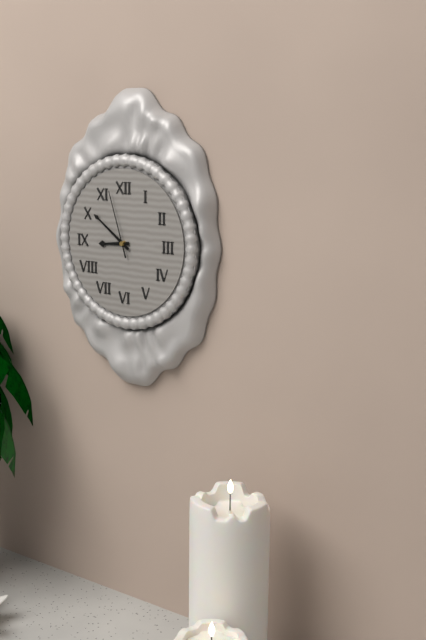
{"hour": 8, "minute": 51, "second": 57}
